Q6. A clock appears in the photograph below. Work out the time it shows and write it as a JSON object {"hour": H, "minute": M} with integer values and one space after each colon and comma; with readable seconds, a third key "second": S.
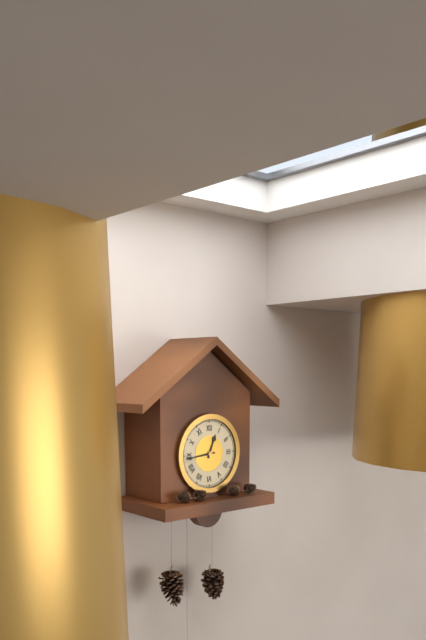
{"hour": 12, "minute": 44}
